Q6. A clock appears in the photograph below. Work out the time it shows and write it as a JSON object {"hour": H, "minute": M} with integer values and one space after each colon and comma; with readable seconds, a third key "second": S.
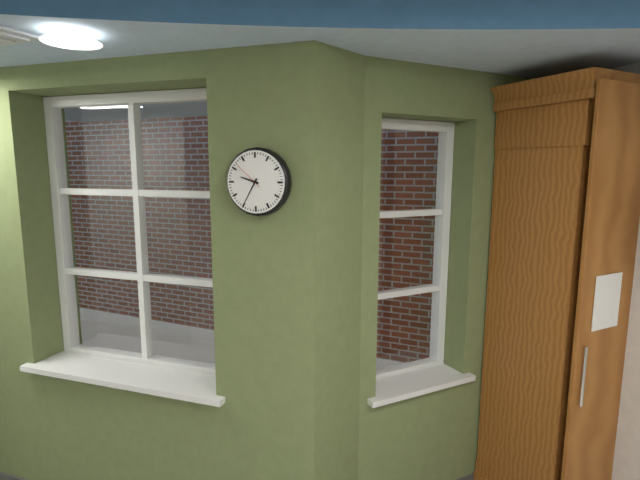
{"hour": 9, "minute": 35}
